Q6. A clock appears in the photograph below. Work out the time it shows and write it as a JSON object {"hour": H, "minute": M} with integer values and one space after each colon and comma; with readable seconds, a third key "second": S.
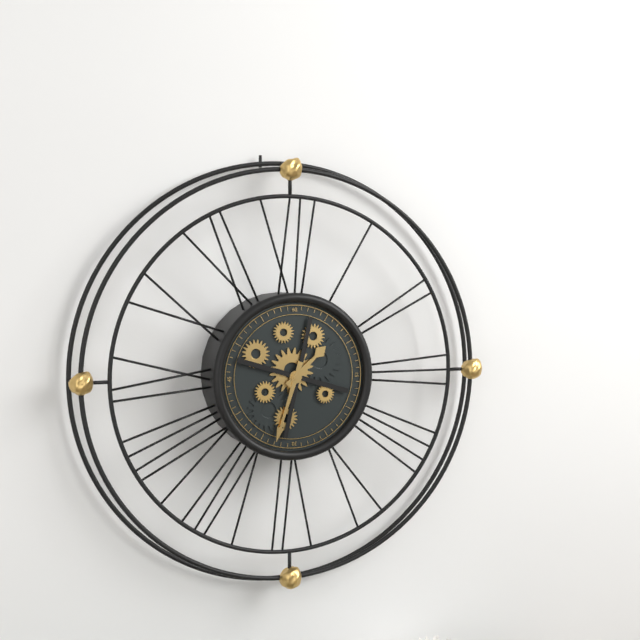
{"hour": 1, "minute": 33}
